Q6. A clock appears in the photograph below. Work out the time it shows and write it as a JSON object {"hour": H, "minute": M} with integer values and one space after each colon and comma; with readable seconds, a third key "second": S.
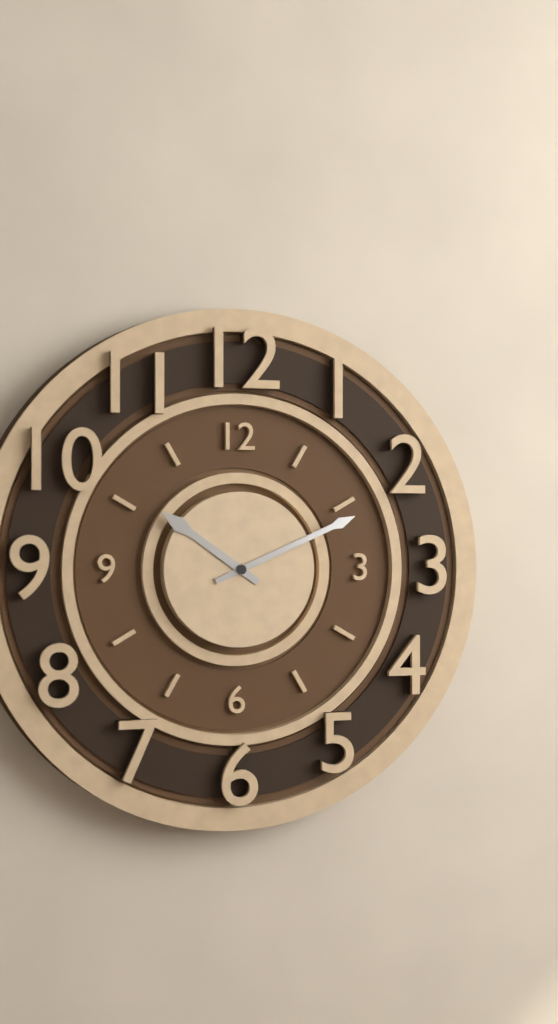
{"hour": 10, "minute": 11}
